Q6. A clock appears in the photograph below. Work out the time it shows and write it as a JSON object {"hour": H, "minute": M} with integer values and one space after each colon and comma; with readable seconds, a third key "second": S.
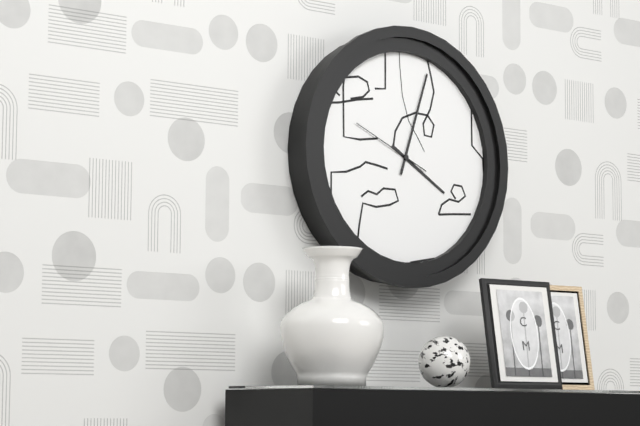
{"hour": 4, "minute": 3, "second": 49}
